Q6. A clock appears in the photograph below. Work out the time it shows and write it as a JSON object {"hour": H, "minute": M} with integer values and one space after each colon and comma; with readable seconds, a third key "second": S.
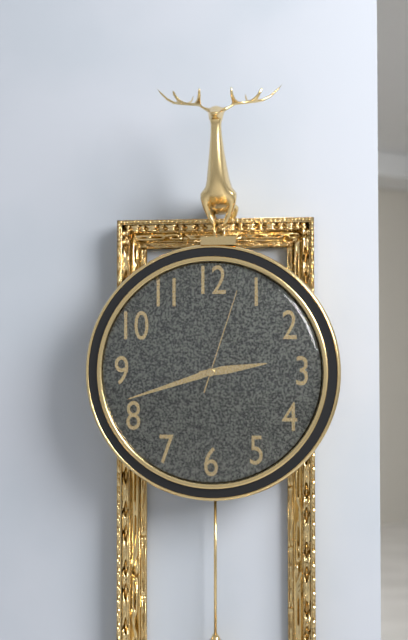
{"hour": 2, "minute": 42, "second": 3}
